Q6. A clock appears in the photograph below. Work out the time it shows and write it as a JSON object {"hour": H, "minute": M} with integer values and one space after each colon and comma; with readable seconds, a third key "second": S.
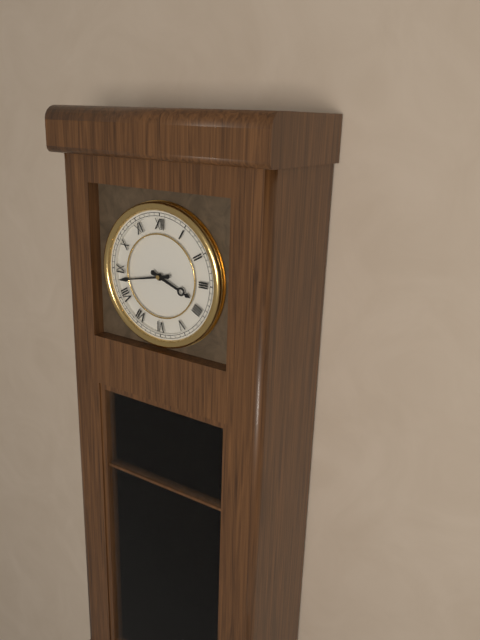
{"hour": 3, "minute": 43}
